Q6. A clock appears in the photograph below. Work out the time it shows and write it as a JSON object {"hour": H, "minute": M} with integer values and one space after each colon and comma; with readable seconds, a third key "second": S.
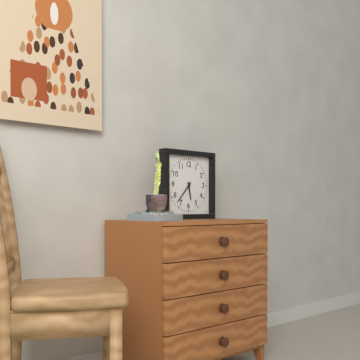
{"hour": 5, "minute": 37}
